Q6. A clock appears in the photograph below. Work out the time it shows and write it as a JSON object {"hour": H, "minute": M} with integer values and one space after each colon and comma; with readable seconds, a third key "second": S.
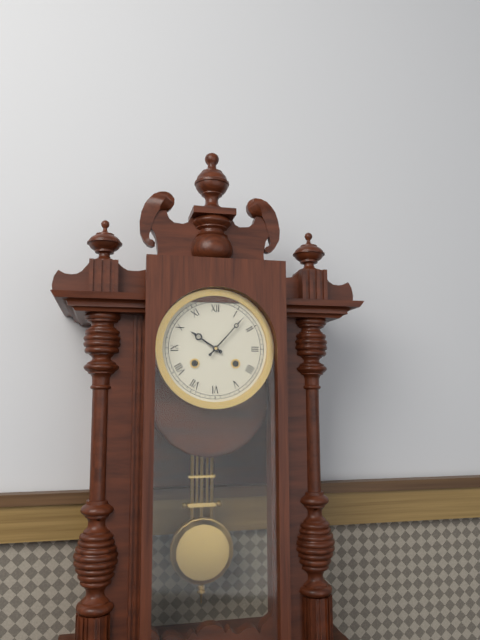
{"hour": 10, "minute": 7}
